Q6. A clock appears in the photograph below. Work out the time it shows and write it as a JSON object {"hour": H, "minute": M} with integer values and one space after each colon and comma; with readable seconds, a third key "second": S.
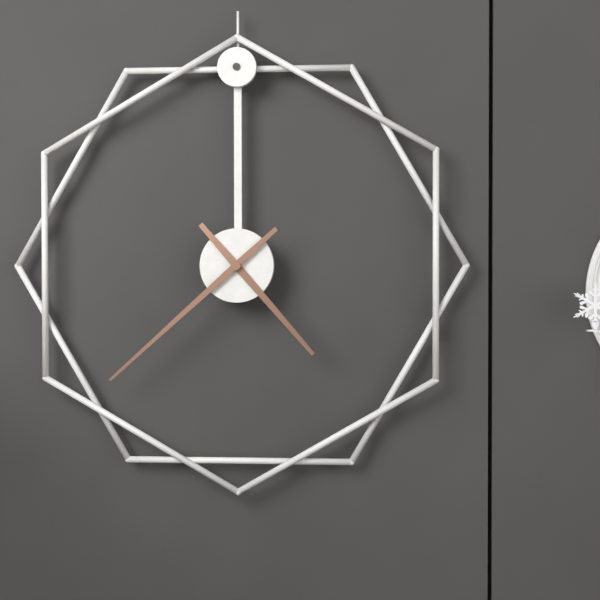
{"hour": 4, "minute": 38}
